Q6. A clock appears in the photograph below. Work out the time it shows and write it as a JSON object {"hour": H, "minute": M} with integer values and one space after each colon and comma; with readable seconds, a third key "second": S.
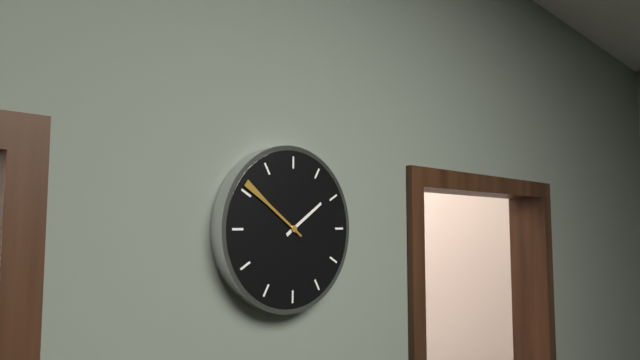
{"hour": 1, "minute": 51}
